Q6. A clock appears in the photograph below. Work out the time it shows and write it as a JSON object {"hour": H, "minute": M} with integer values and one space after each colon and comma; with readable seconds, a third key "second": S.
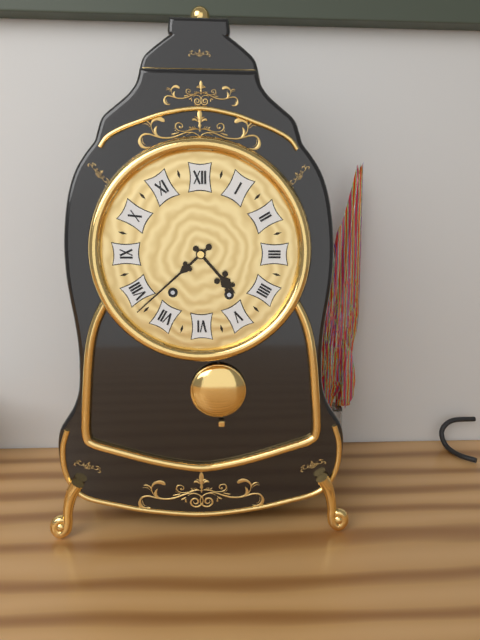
{"hour": 4, "minute": 38}
